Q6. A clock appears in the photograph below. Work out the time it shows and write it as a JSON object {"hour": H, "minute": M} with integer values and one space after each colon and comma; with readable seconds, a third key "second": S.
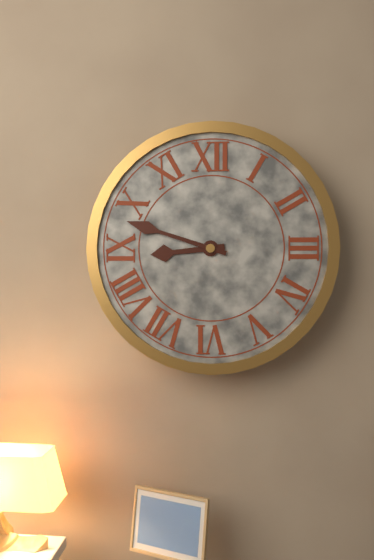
{"hour": 8, "minute": 48}
